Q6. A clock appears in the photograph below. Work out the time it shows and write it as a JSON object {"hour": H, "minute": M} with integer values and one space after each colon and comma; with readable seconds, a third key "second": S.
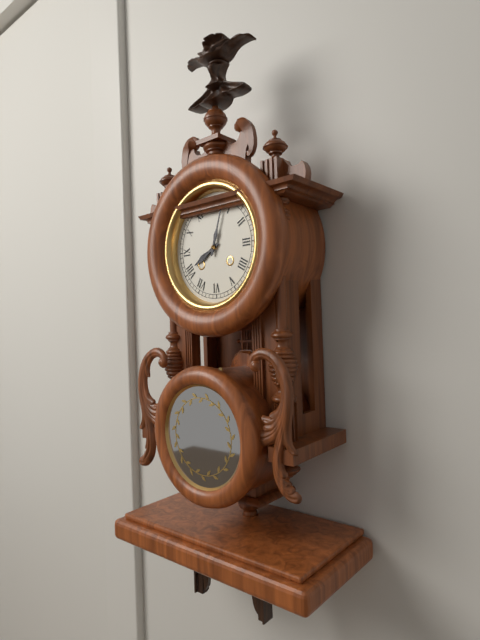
{"hour": 8, "minute": 3}
